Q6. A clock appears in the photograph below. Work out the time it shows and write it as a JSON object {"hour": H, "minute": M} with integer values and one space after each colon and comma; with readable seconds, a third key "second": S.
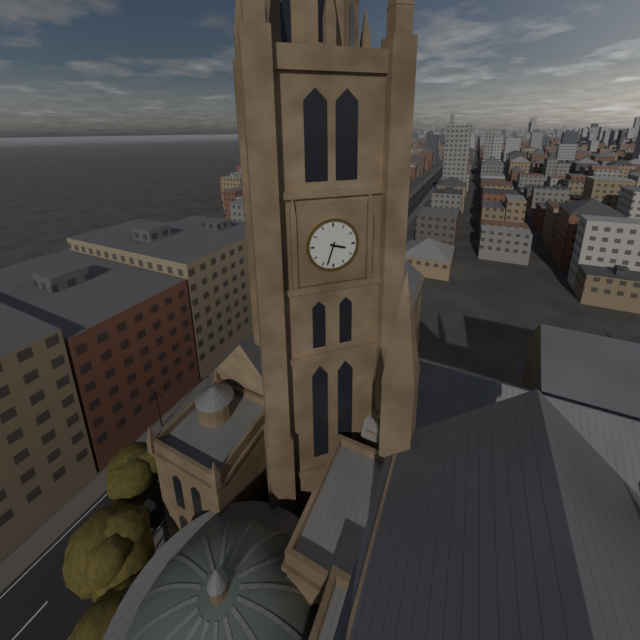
{"hour": 3, "minute": 33}
